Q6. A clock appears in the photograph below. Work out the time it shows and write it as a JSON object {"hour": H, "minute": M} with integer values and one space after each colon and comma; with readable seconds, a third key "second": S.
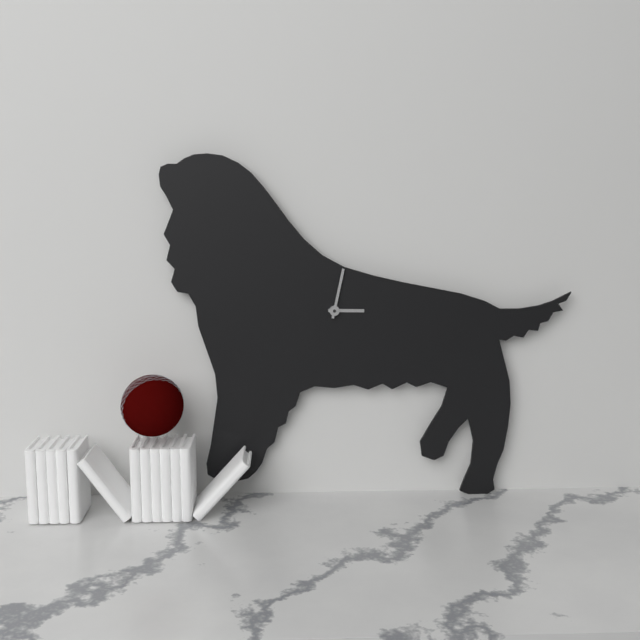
{"hour": 3, "minute": 2}
